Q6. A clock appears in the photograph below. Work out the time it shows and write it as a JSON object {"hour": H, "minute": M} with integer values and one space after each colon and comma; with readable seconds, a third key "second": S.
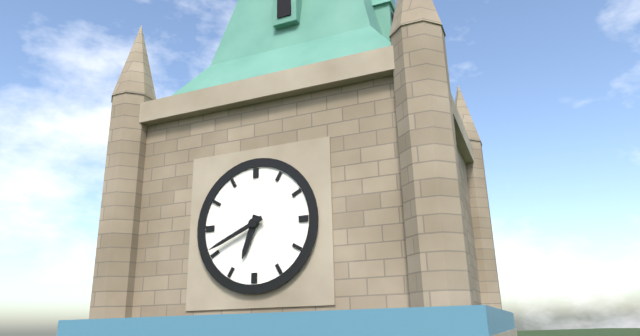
{"hour": 6, "minute": 41}
